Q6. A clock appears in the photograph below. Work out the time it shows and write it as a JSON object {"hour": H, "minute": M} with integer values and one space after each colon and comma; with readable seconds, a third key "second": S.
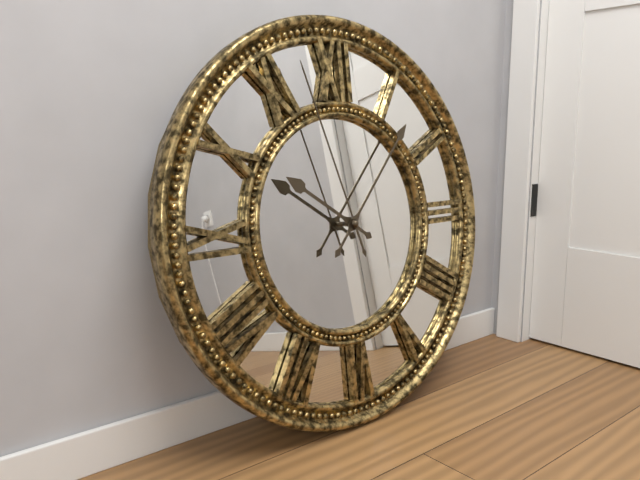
{"hour": 10, "minute": 7, "second": 57}
